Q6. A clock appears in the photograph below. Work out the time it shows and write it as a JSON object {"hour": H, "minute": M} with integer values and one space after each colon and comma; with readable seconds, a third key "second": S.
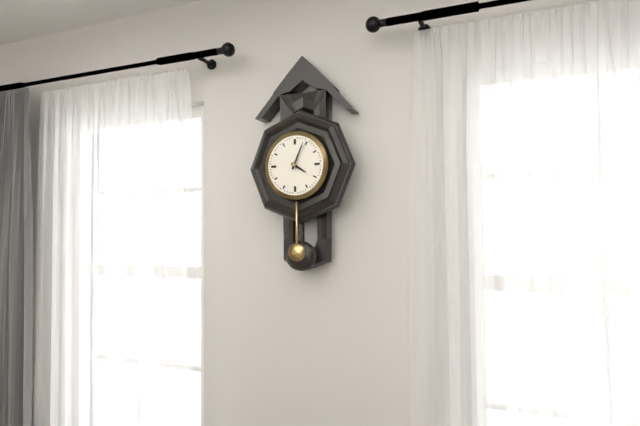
{"hour": 4, "minute": 4}
